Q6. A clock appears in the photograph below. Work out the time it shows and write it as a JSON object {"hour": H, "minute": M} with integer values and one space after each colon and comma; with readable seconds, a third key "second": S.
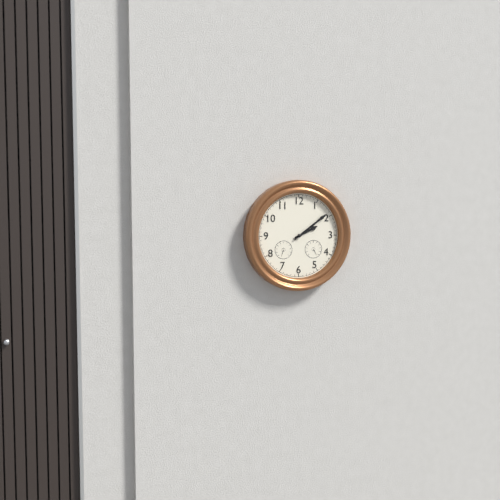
{"hour": 2, "minute": 9}
